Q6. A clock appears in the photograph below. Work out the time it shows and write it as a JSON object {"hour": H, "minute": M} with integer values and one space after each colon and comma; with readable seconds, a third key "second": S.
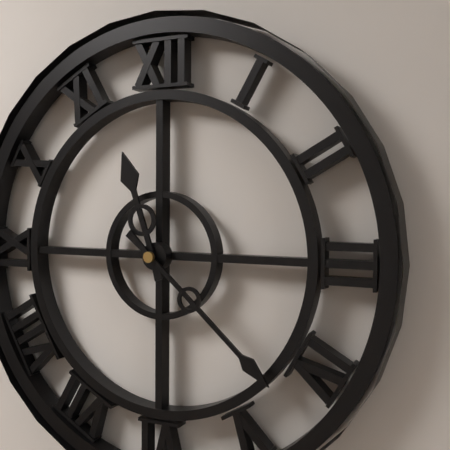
{"hour": 11, "minute": 22}
